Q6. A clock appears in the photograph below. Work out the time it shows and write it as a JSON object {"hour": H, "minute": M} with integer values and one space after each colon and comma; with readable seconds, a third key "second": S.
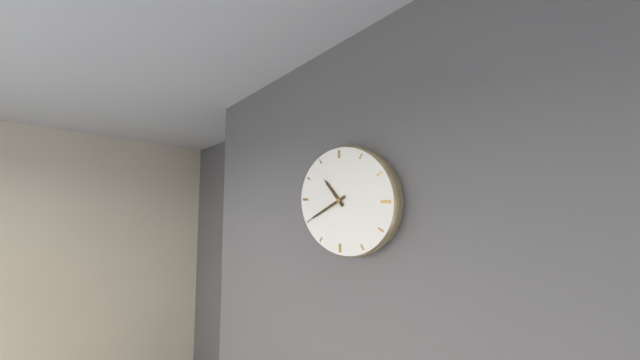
{"hour": 10, "minute": 40}
